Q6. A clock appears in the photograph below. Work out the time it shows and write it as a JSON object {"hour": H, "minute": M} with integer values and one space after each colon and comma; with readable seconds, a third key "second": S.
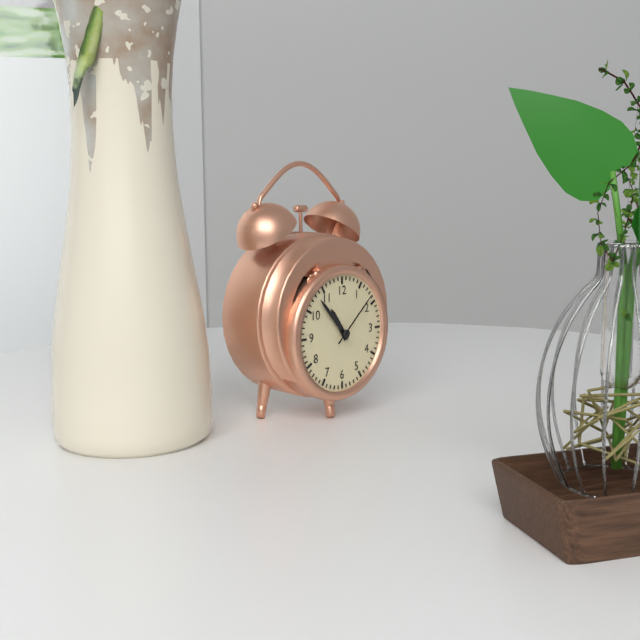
{"hour": 10, "minute": 53, "second": 8}
